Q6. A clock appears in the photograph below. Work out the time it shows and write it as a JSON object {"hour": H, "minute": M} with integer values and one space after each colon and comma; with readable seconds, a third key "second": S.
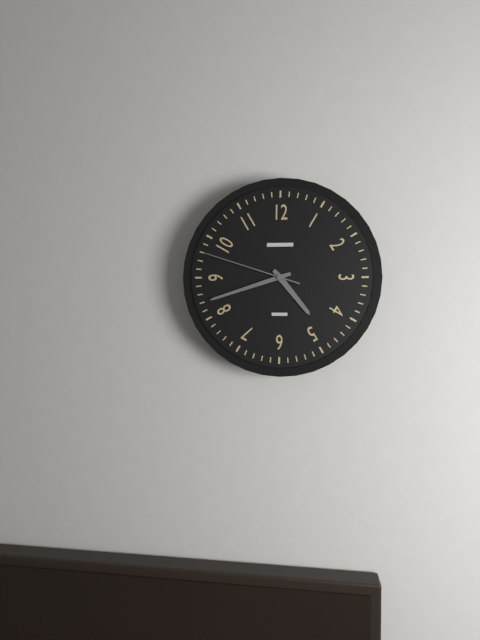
{"hour": 4, "minute": 42, "second": 48}
